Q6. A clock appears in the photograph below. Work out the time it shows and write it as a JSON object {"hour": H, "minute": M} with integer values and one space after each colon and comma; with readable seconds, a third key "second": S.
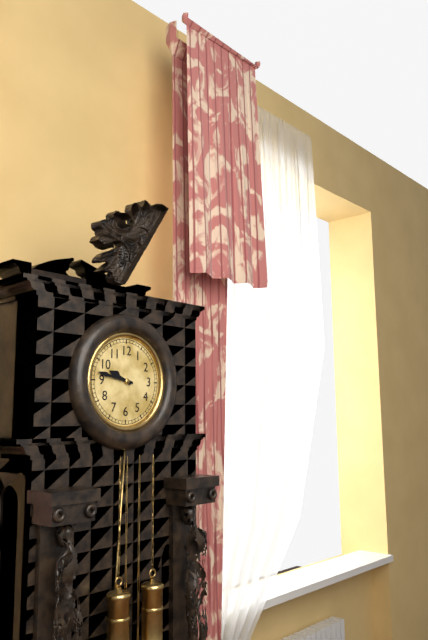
{"hour": 9, "minute": 47}
